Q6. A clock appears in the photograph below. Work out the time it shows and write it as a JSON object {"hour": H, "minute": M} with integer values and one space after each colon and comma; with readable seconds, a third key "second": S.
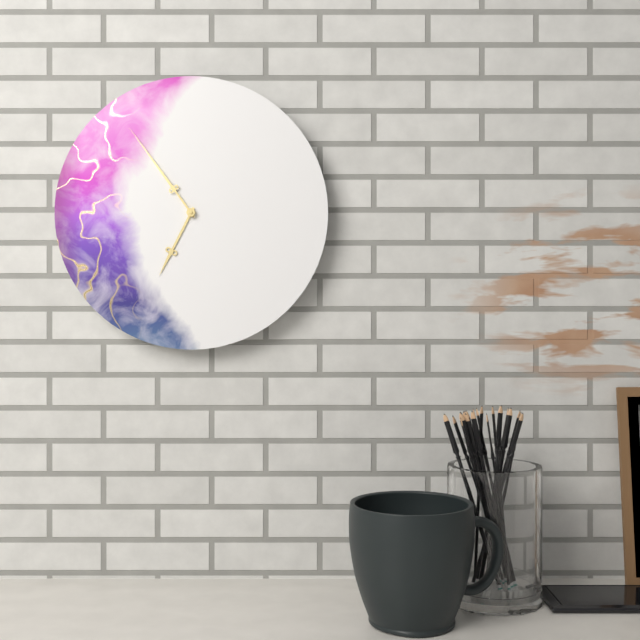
{"hour": 6, "minute": 54}
